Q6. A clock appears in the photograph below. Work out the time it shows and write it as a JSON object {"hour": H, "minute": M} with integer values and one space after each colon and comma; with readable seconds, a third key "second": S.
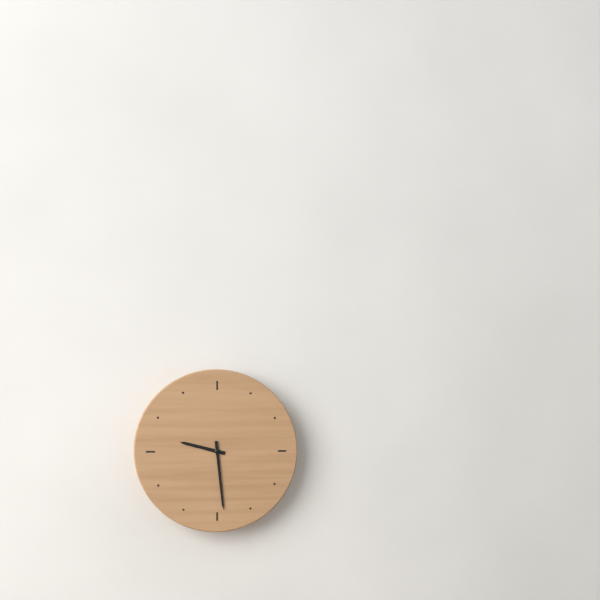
{"hour": 9, "minute": 29}
